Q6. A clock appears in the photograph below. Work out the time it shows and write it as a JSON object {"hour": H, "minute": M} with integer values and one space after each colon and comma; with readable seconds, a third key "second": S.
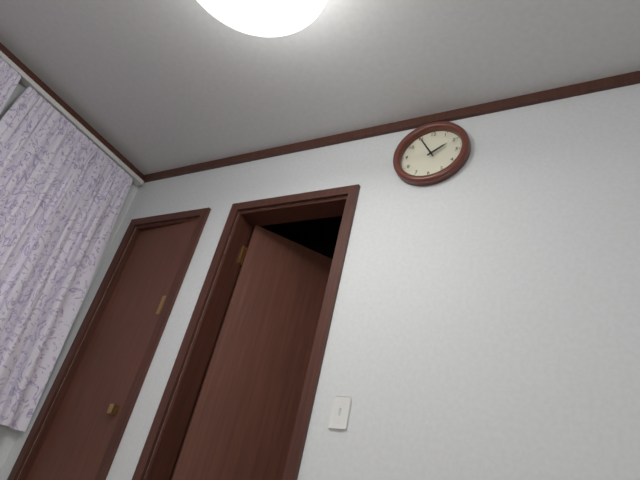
{"hour": 1, "minute": 55}
